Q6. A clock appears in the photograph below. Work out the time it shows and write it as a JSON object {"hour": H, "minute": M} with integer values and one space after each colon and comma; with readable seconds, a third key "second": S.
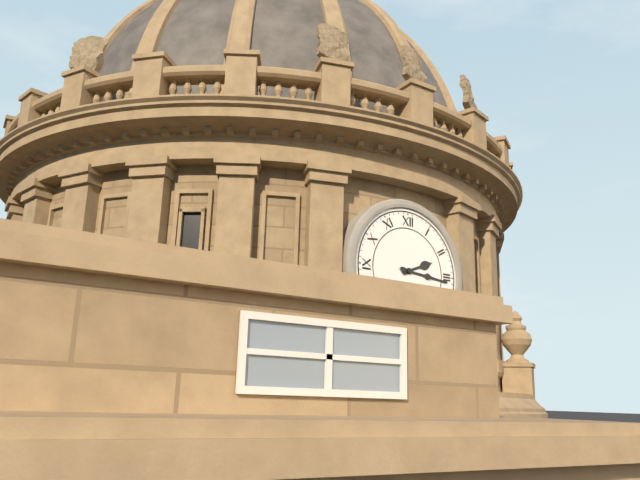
{"hour": 2, "minute": 16}
